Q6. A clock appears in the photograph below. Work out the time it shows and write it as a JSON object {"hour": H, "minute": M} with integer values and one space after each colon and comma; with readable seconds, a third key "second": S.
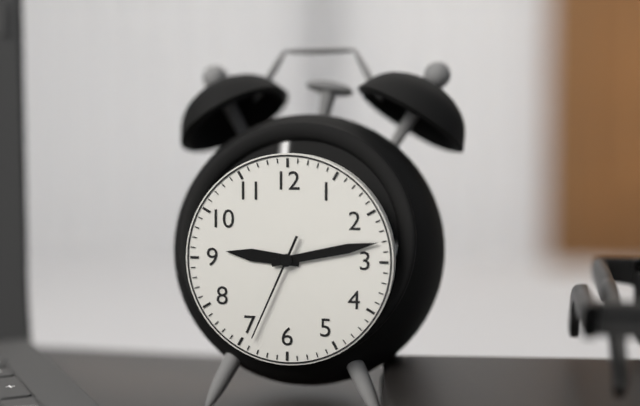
{"hour": 9, "minute": 13, "second": 34}
